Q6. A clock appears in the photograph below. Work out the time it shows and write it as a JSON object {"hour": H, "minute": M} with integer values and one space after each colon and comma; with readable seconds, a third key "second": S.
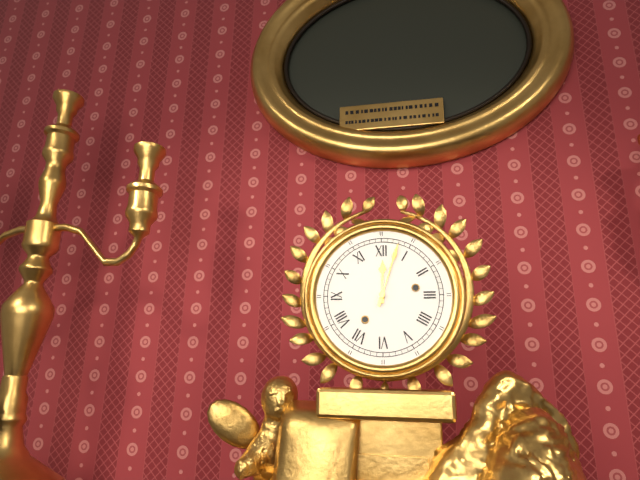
{"hour": 12, "minute": 3}
